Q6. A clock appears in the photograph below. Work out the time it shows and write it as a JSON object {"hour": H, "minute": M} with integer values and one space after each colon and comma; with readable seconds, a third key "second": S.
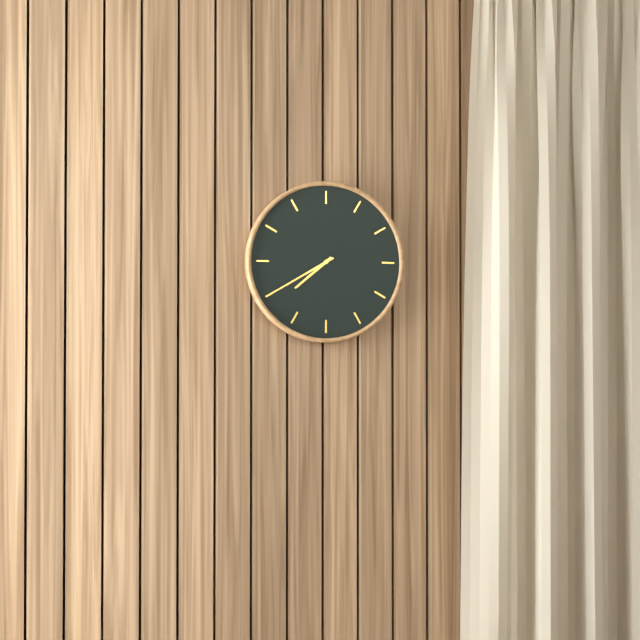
{"hour": 7, "minute": 40}
